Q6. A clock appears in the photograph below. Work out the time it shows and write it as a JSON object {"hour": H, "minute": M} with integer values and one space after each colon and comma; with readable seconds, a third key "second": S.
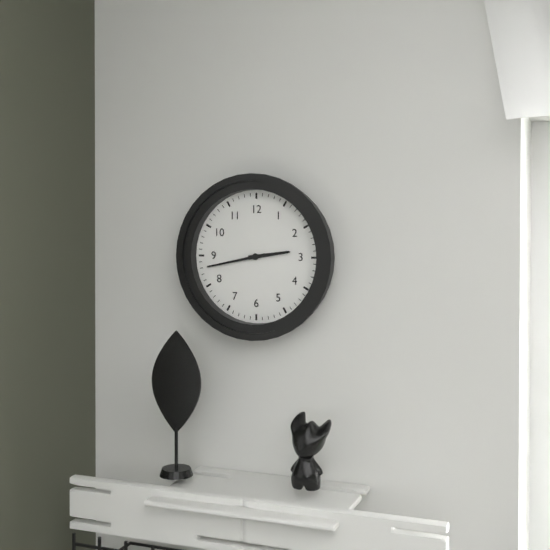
{"hour": 2, "minute": 43}
